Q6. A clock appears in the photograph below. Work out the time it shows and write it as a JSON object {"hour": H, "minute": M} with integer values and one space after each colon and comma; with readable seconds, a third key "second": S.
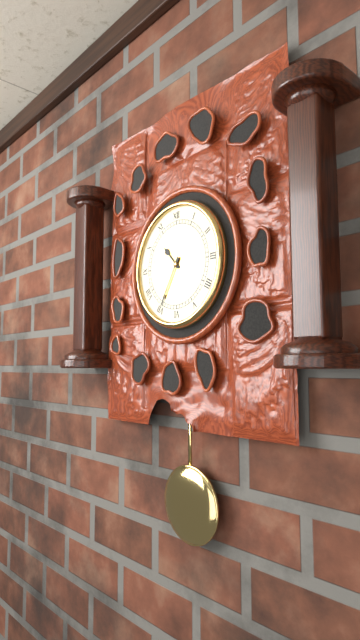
{"hour": 10, "minute": 35}
